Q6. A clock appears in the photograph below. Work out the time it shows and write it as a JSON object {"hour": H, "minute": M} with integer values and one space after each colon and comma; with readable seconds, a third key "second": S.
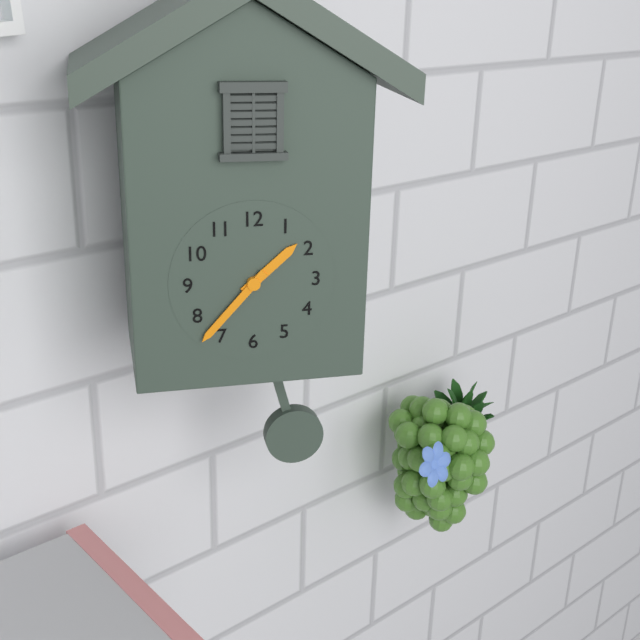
{"hour": 1, "minute": 37}
